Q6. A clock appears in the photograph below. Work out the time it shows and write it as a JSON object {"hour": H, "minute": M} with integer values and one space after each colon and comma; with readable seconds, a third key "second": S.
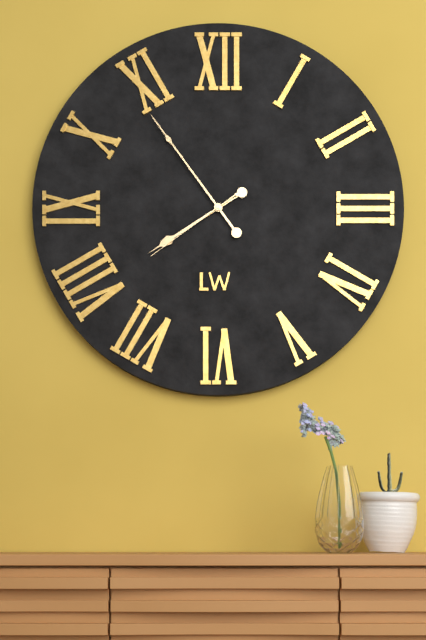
{"hour": 7, "minute": 54, "second": 39}
